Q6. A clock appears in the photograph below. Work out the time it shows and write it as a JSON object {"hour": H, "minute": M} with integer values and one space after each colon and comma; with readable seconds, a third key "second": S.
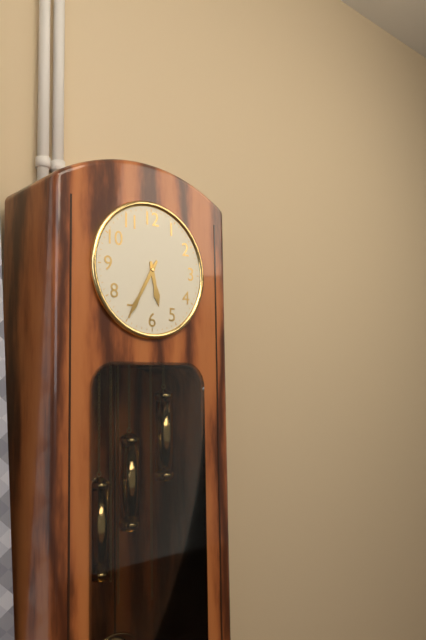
{"hour": 5, "minute": 35}
